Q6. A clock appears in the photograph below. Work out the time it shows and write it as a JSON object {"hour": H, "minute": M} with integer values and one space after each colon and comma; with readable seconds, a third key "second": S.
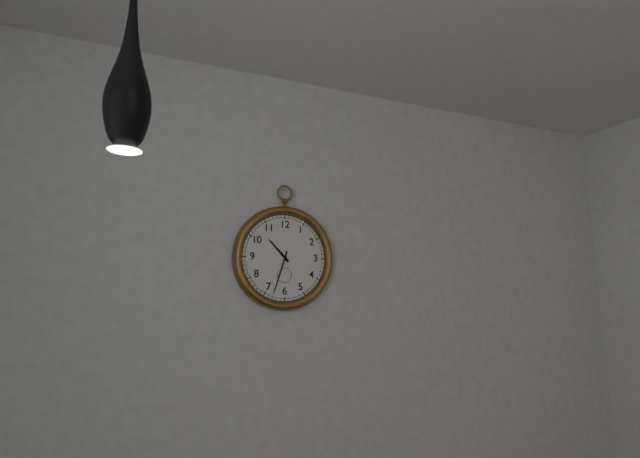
{"hour": 10, "minute": 33}
